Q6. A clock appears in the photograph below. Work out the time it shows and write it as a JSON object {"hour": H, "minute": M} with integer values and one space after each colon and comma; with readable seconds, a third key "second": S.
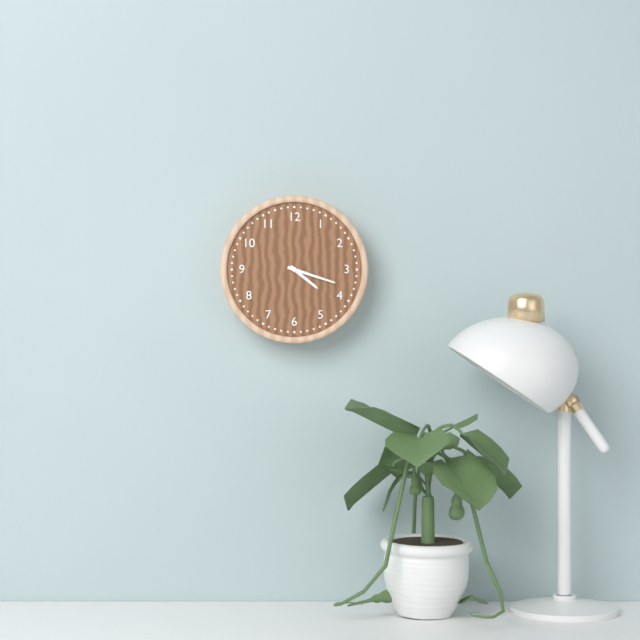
{"hour": 4, "minute": 18}
